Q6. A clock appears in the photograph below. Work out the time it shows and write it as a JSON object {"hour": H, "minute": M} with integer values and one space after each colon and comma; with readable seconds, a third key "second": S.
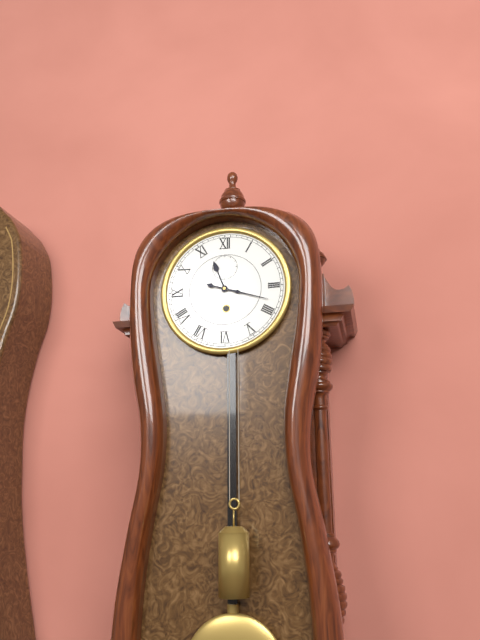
{"hour": 11, "minute": 18}
